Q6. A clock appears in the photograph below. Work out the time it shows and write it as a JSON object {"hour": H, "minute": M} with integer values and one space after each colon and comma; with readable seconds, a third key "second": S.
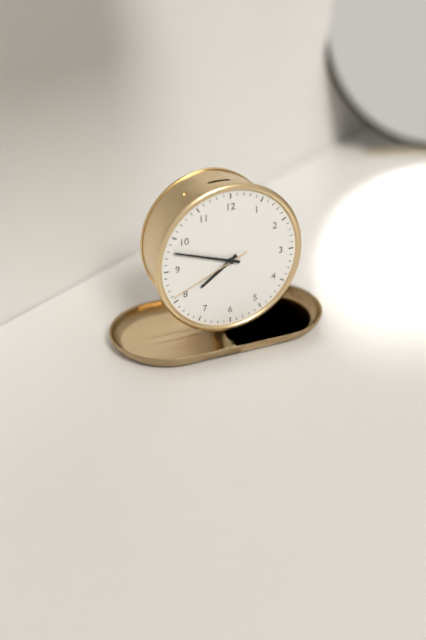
{"hour": 7, "minute": 48, "second": 41}
